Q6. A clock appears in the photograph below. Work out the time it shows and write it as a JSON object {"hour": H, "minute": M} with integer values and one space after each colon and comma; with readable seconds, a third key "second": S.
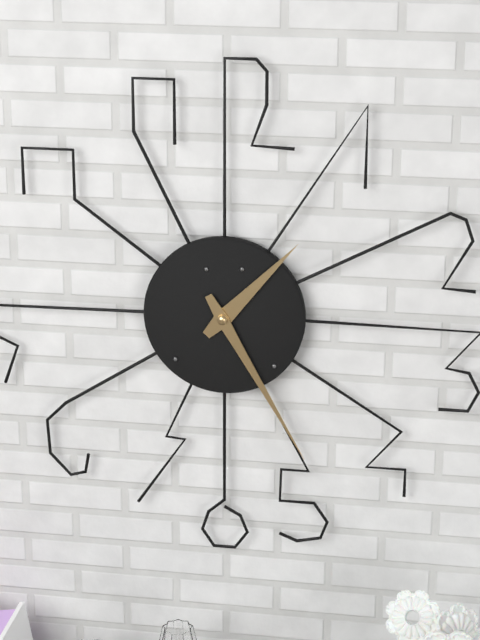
{"hour": 1, "minute": 25}
